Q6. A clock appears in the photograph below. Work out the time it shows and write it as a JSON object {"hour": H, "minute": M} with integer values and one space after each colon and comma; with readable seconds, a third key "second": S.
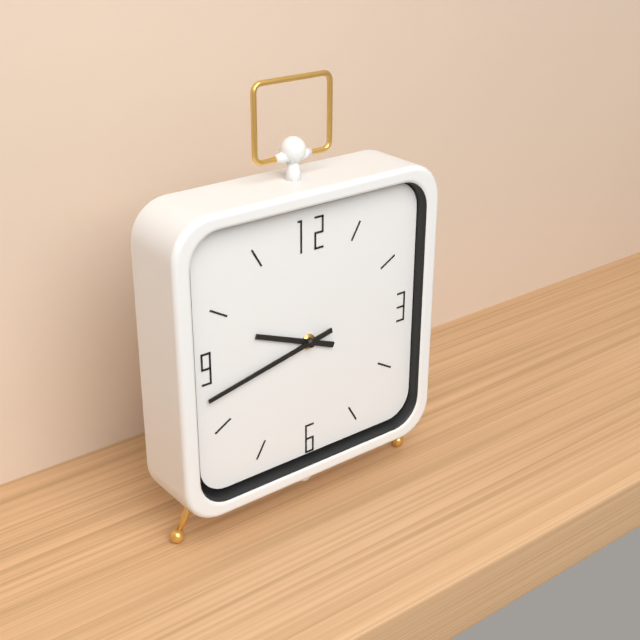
{"hour": 9, "minute": 43}
